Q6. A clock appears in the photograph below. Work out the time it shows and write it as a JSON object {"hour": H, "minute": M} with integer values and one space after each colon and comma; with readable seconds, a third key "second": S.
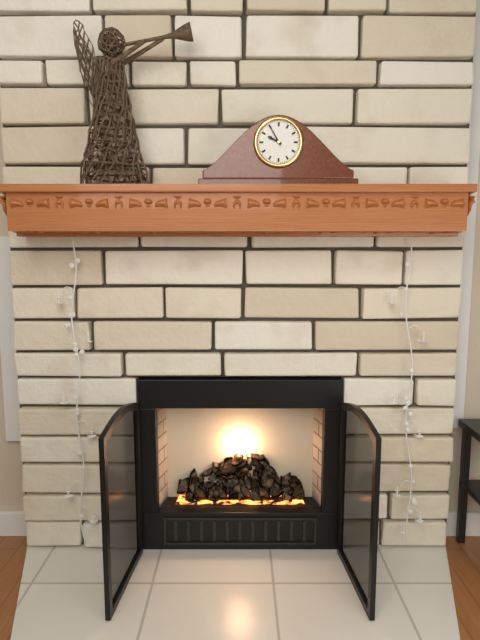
{"hour": 9, "minute": 55}
